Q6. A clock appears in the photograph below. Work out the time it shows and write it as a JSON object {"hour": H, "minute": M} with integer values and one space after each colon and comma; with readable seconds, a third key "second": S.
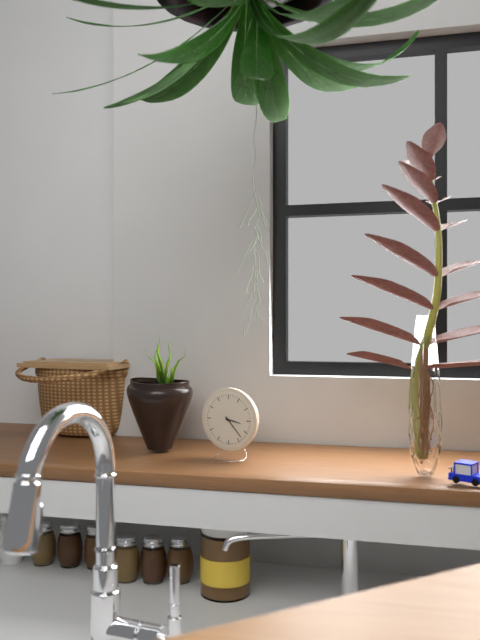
{"hour": 3, "minute": 23}
